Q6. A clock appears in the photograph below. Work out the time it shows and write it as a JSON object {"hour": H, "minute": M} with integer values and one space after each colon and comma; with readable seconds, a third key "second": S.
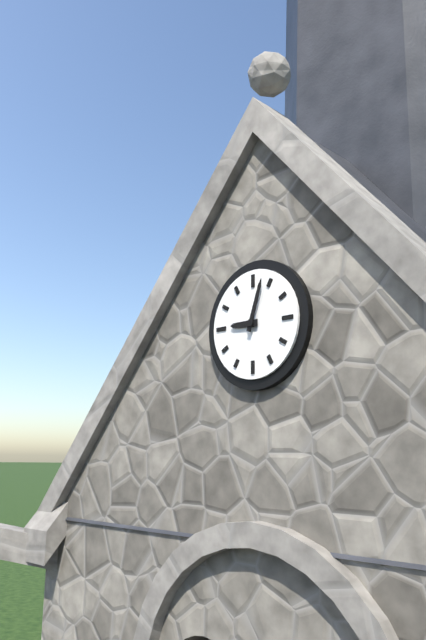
{"hour": 9, "minute": 3}
